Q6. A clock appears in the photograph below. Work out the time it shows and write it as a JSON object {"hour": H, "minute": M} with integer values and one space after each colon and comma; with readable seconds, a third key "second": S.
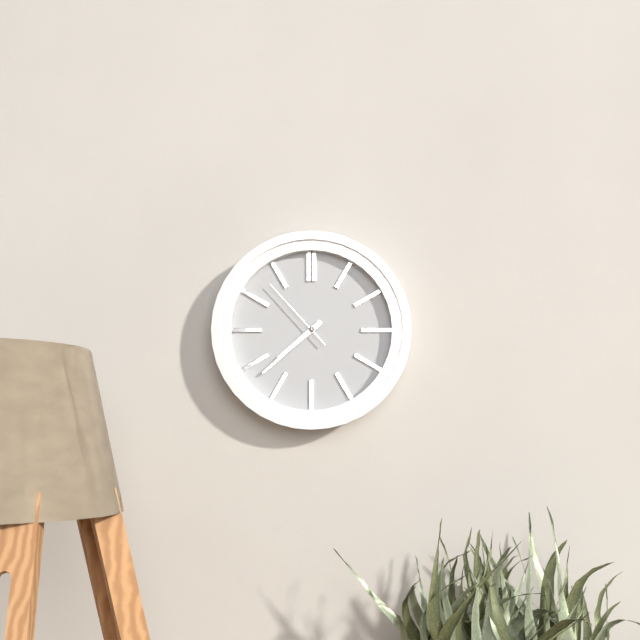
{"hour": 7, "minute": 38, "second": 53}
